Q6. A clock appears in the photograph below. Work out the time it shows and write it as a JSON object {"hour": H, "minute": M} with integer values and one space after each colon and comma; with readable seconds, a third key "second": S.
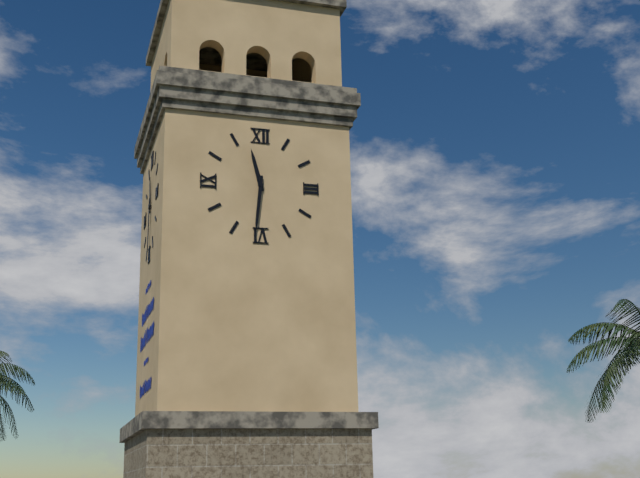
{"hour": 11, "minute": 31}
